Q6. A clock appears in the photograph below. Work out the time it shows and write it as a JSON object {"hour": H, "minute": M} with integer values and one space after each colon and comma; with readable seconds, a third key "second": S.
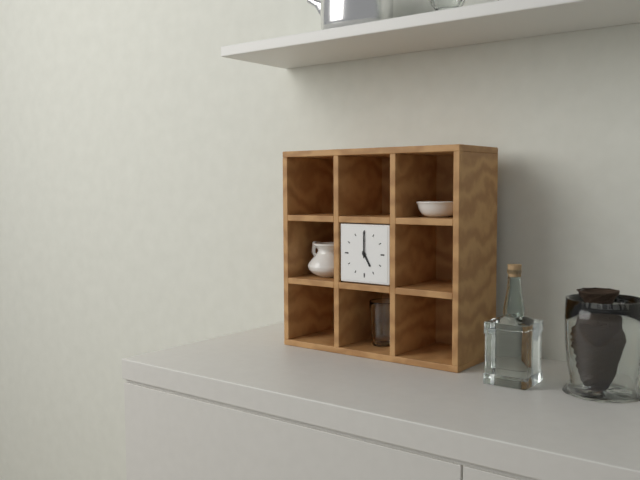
{"hour": 5, "minute": 0}
